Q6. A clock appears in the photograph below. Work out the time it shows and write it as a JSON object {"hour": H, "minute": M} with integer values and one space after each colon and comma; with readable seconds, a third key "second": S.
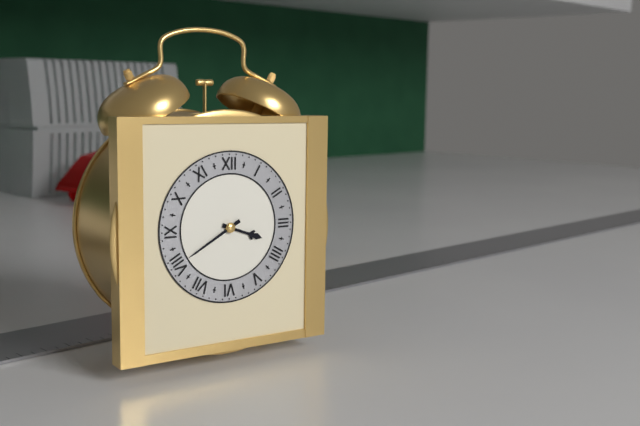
{"hour": 3, "minute": 40}
